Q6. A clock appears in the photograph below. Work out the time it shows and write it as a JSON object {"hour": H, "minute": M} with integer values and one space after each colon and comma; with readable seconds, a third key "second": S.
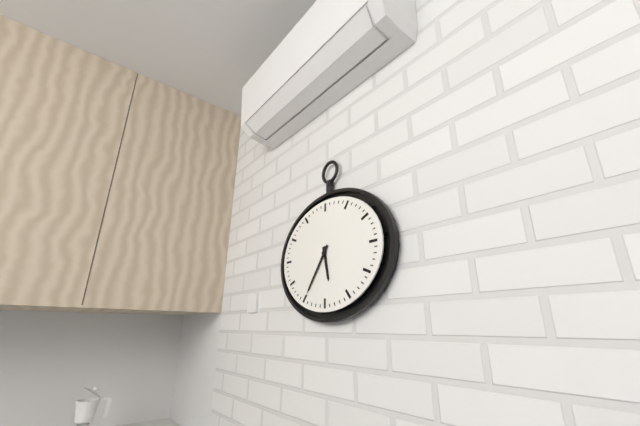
{"hour": 5, "minute": 36}
